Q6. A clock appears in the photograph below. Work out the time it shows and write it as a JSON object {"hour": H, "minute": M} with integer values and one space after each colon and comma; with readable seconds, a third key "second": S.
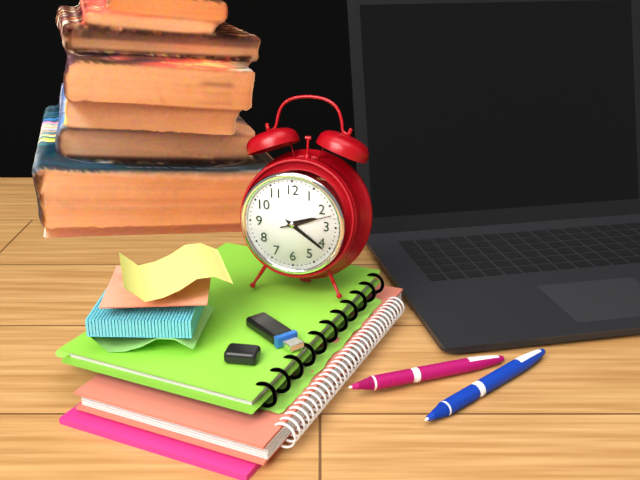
{"hour": 2, "minute": 21}
